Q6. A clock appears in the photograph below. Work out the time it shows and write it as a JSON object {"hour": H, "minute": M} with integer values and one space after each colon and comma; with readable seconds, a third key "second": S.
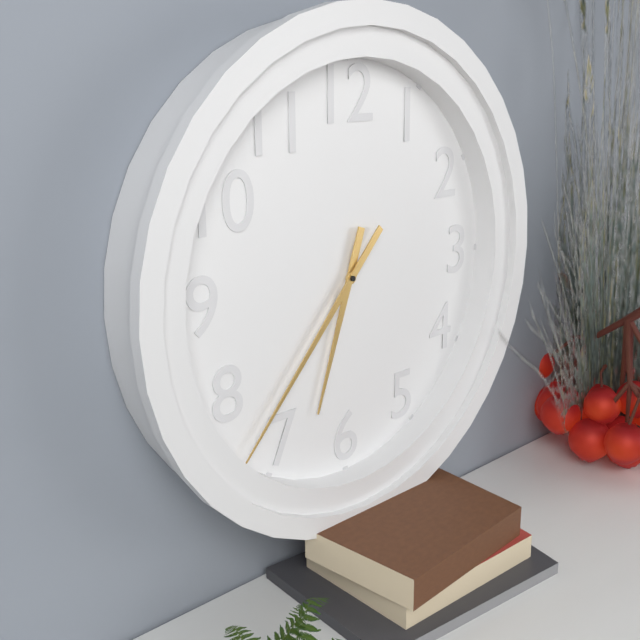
{"hour": 6, "minute": 37}
